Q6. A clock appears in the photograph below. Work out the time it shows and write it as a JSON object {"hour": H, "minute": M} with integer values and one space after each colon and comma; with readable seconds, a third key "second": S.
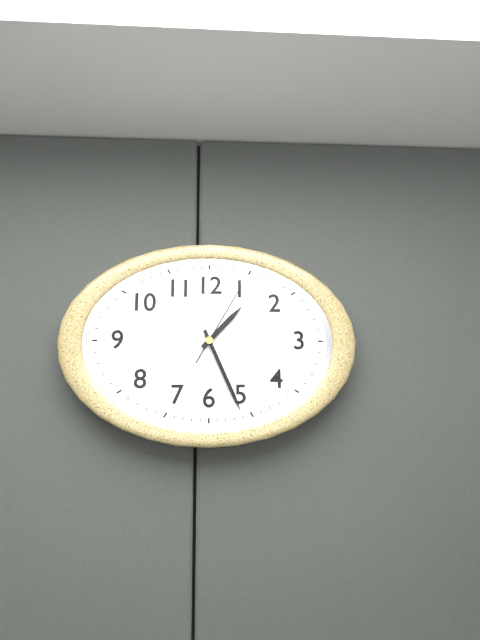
{"hour": 1, "minute": 26, "second": 5}
